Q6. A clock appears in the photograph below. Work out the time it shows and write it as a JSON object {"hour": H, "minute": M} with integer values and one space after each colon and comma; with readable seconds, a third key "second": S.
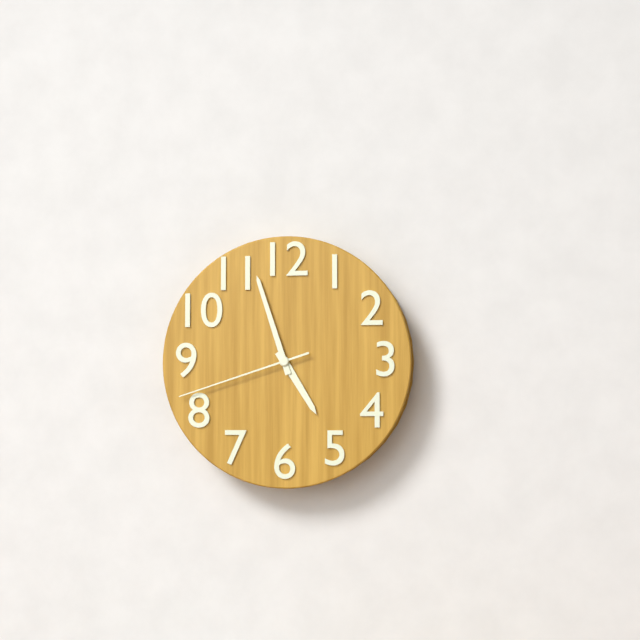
{"hour": 4, "minute": 57, "second": 42}
